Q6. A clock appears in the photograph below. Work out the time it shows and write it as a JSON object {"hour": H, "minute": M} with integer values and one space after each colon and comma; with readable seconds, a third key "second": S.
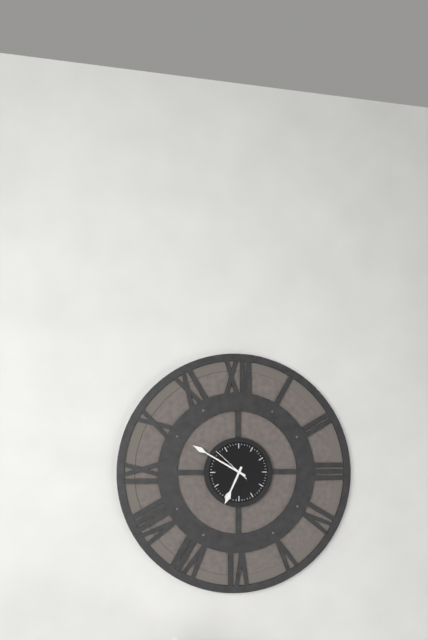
{"hour": 6, "minute": 50}
